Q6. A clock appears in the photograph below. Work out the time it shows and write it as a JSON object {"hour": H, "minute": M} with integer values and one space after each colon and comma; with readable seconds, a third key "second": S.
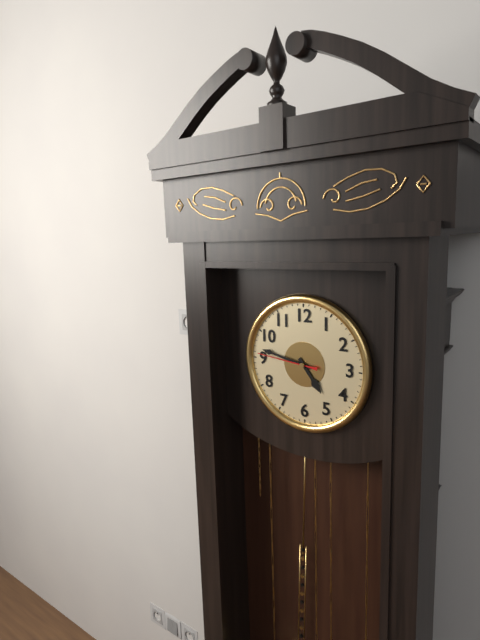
{"hour": 4, "minute": 47, "second": 46}
